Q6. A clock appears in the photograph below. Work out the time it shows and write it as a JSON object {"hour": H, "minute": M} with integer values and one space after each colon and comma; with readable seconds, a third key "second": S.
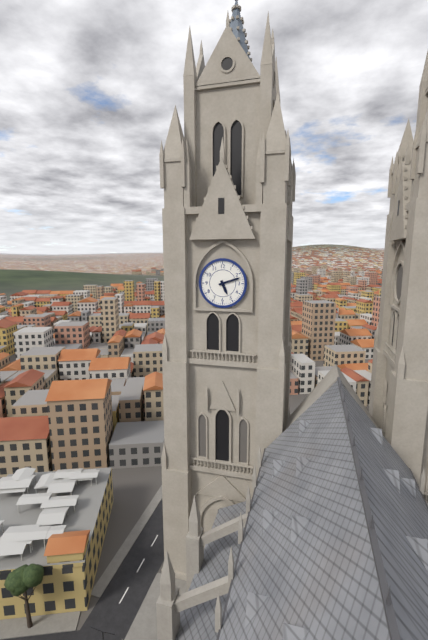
{"hour": 5, "minute": 12}
